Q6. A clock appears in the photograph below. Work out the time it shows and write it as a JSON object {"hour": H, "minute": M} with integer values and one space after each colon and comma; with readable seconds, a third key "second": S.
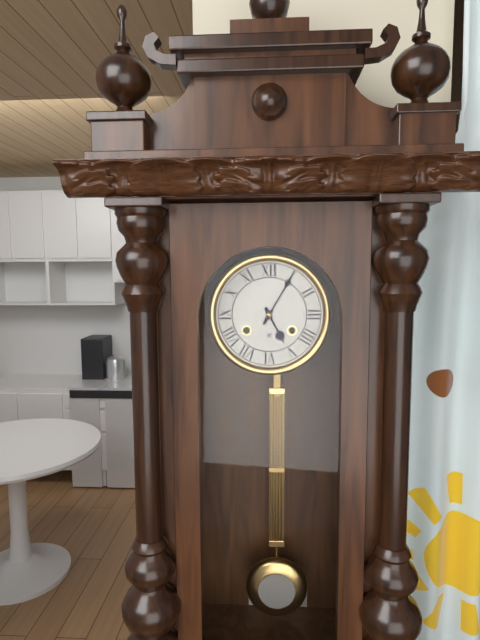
{"hour": 5, "minute": 5}
